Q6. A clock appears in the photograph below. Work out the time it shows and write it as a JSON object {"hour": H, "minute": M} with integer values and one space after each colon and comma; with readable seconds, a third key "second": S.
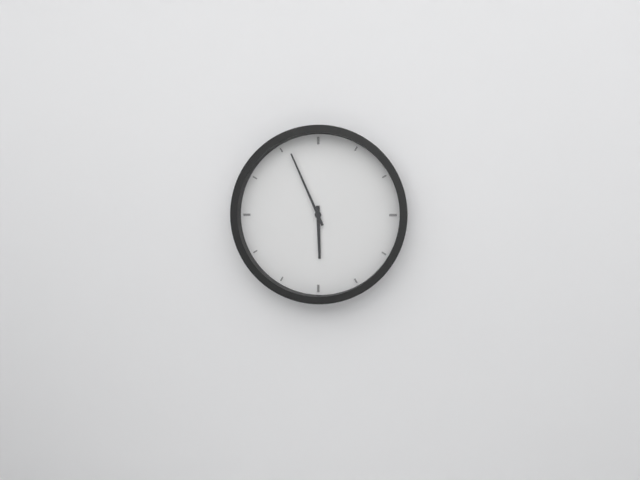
{"hour": 5, "minute": 56}
